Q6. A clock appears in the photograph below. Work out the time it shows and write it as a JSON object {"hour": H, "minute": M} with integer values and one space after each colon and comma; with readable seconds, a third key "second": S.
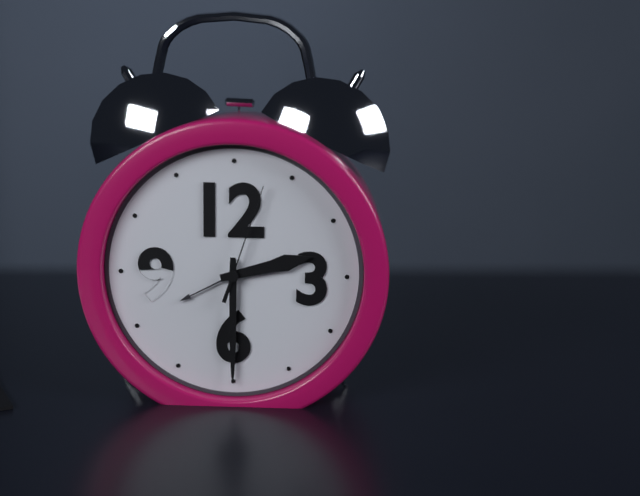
{"hour": 2, "minute": 30, "second": 3}
